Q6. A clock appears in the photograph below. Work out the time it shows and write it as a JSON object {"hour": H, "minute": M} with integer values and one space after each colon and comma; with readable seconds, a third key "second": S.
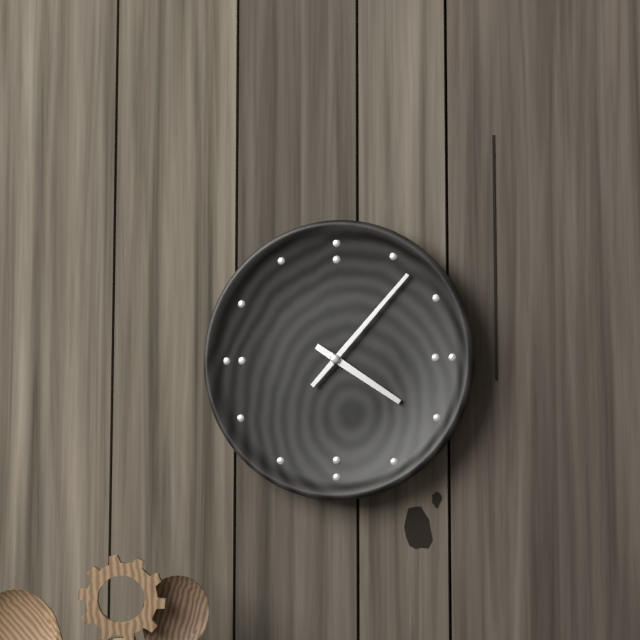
{"hour": 4, "minute": 7}
